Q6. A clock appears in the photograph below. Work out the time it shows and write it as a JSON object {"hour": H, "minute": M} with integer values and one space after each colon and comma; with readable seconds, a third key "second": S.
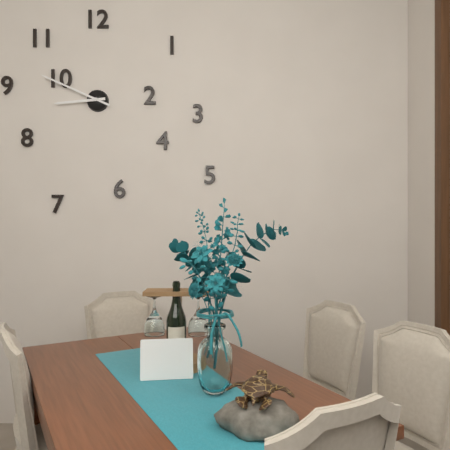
{"hour": 8, "minute": 49}
